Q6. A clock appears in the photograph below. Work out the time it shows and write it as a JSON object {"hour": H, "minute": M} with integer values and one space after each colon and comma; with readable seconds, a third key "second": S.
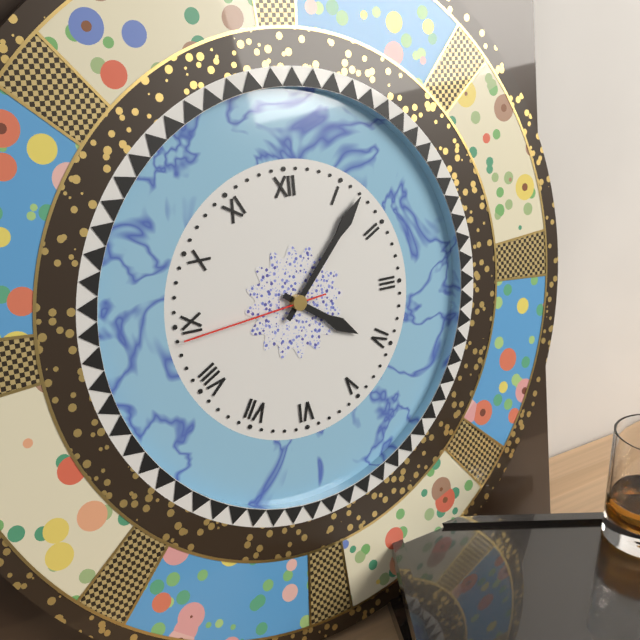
{"hour": 4, "minute": 7, "second": 44}
